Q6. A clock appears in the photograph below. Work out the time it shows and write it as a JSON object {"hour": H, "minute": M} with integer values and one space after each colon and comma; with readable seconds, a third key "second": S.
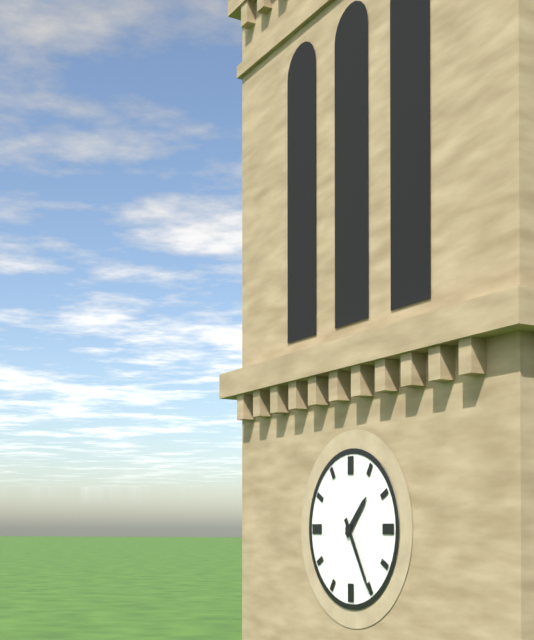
{"hour": 1, "minute": 25}
